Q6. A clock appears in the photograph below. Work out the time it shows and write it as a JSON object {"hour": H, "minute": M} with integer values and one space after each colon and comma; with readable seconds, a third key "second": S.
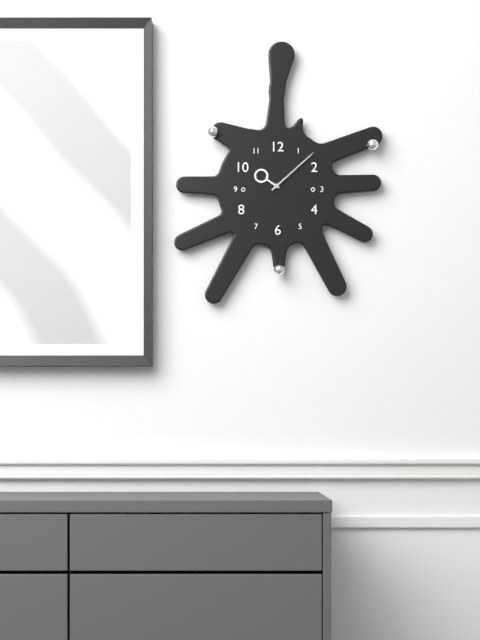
{"hour": 10, "minute": 8}
